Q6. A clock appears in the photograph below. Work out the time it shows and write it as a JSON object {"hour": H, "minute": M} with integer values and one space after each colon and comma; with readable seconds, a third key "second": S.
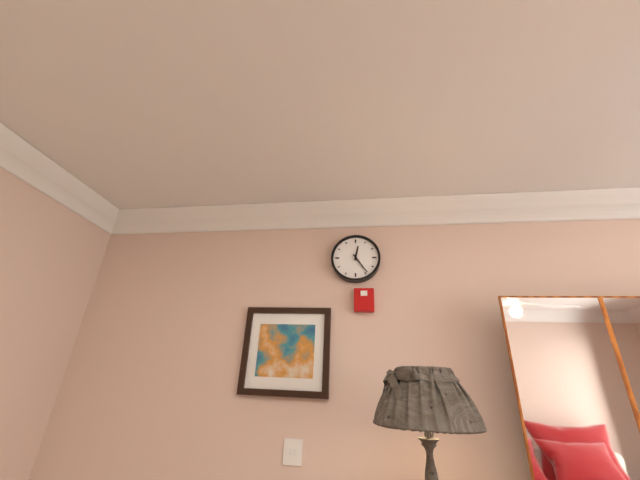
{"hour": 12, "minute": 24}
